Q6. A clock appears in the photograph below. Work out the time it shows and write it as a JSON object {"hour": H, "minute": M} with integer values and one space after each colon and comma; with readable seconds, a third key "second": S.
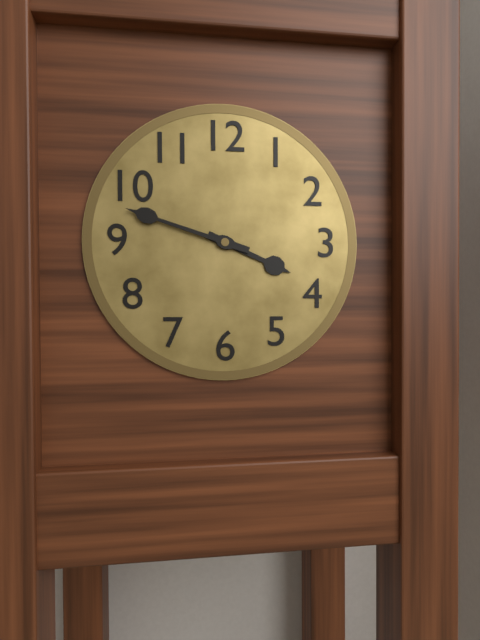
{"hour": 3, "minute": 48}
